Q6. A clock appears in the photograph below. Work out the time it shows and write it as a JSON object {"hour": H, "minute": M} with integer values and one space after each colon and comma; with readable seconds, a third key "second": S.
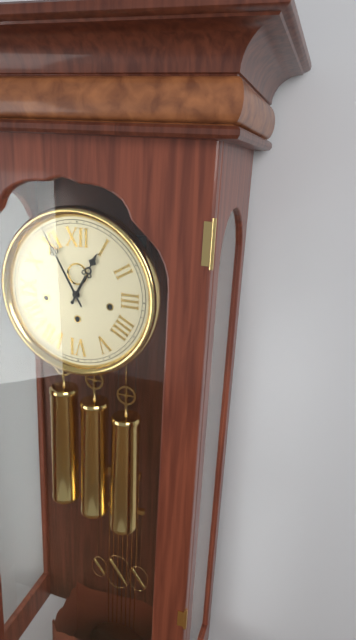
{"hour": 12, "minute": 55}
